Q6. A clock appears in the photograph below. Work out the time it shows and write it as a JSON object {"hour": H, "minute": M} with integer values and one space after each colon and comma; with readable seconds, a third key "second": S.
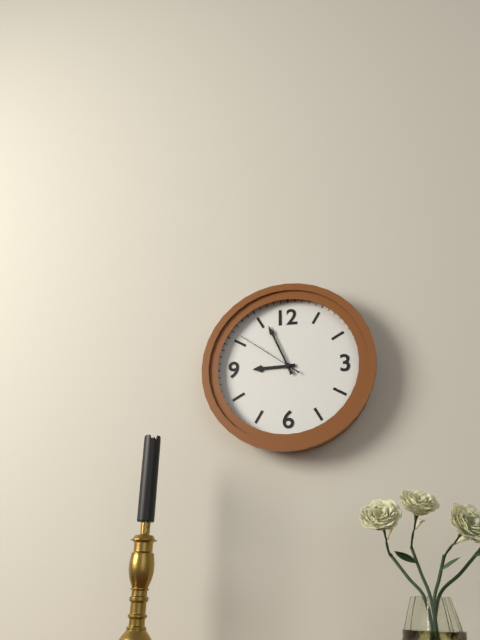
{"hour": 8, "minute": 56, "second": 51}
